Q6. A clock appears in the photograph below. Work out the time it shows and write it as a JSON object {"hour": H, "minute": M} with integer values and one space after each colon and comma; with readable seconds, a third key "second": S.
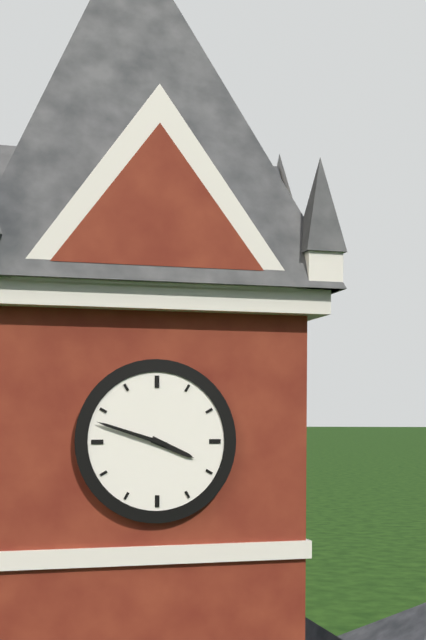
{"hour": 3, "minute": 48}
